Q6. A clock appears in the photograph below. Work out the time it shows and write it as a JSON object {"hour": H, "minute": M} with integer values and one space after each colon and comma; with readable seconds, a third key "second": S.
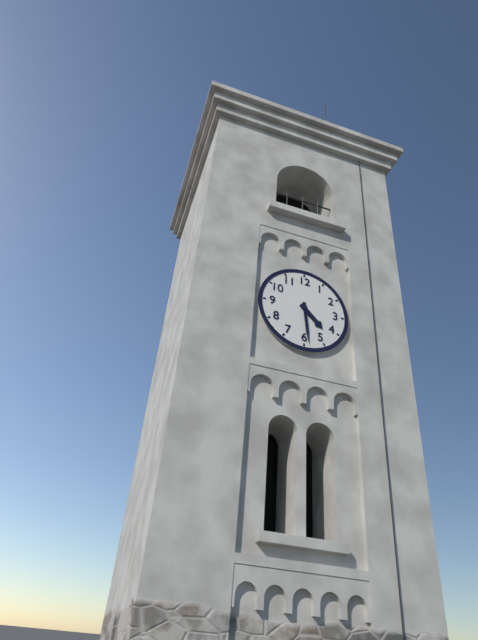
{"hour": 4, "minute": 29}
